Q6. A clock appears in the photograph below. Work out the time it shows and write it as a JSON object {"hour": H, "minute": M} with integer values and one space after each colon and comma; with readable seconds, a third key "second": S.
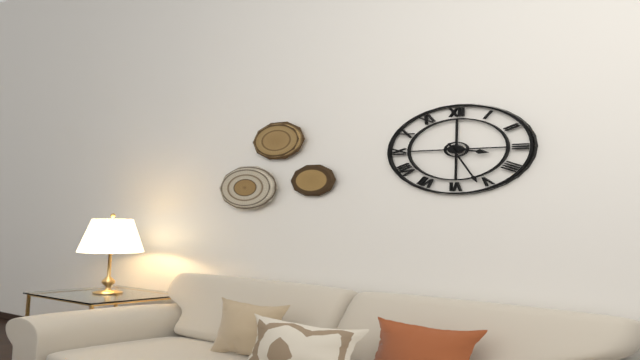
{"hour": 3, "minute": 26}
